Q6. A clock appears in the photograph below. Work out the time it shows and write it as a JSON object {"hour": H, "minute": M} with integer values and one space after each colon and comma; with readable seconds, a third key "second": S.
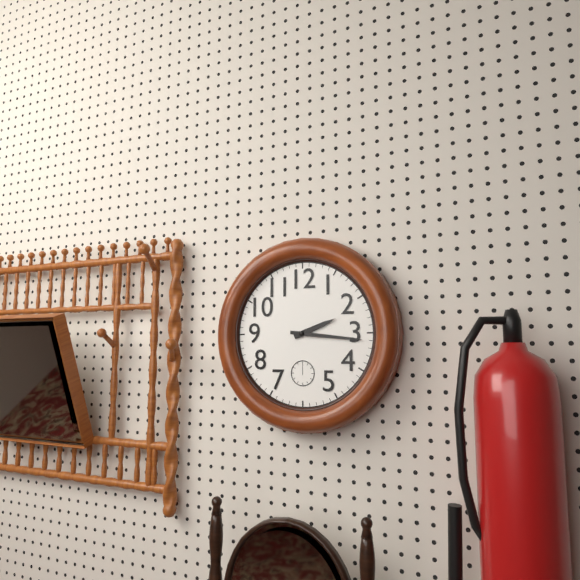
{"hour": 2, "minute": 16}
